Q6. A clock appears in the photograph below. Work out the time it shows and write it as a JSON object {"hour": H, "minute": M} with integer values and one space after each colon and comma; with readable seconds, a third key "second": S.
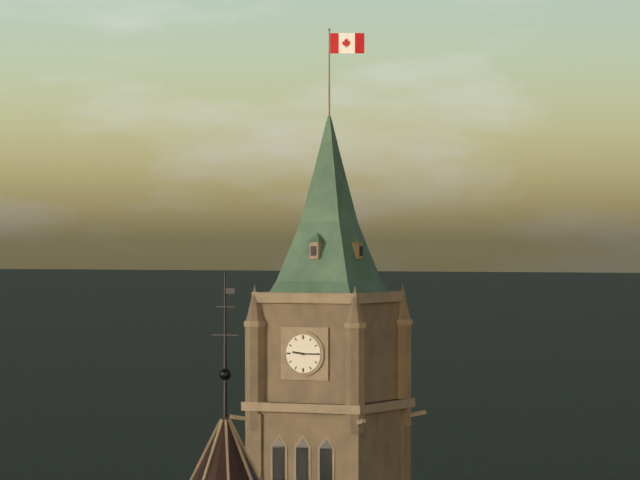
{"hour": 9, "minute": 15}
